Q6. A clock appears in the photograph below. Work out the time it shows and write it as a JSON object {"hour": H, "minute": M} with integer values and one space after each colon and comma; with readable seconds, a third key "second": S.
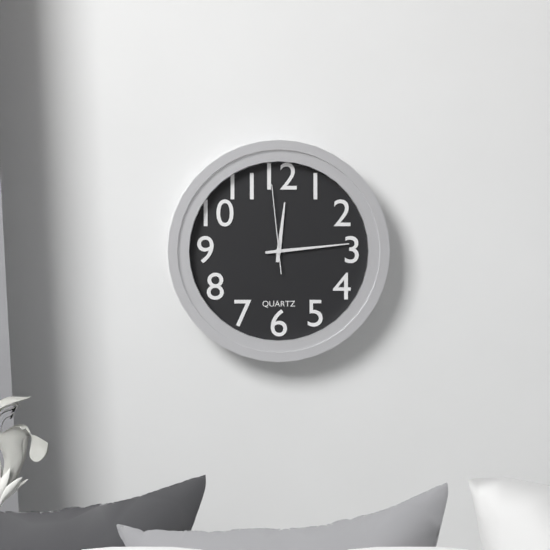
{"hour": 12, "minute": 14, "second": 59}
